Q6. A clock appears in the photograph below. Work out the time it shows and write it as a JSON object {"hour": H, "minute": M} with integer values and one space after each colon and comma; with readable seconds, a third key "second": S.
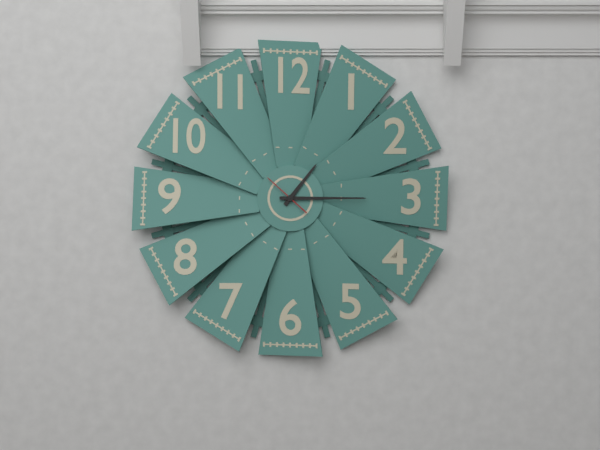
{"hour": 1, "minute": 15}
